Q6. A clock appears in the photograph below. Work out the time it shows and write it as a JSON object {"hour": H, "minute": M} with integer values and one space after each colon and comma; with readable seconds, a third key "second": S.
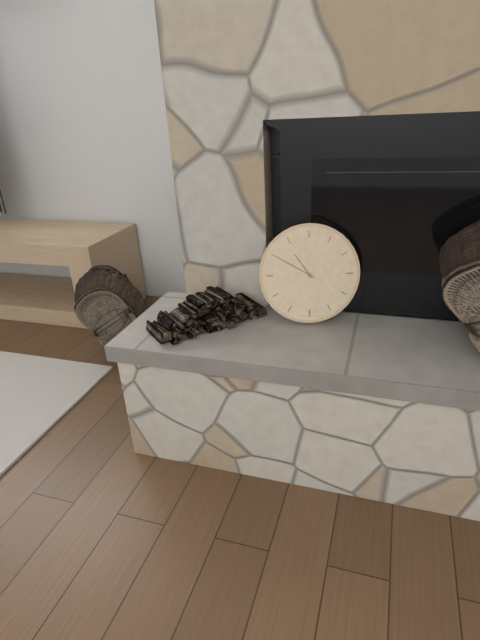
{"hour": 10, "minute": 50}
